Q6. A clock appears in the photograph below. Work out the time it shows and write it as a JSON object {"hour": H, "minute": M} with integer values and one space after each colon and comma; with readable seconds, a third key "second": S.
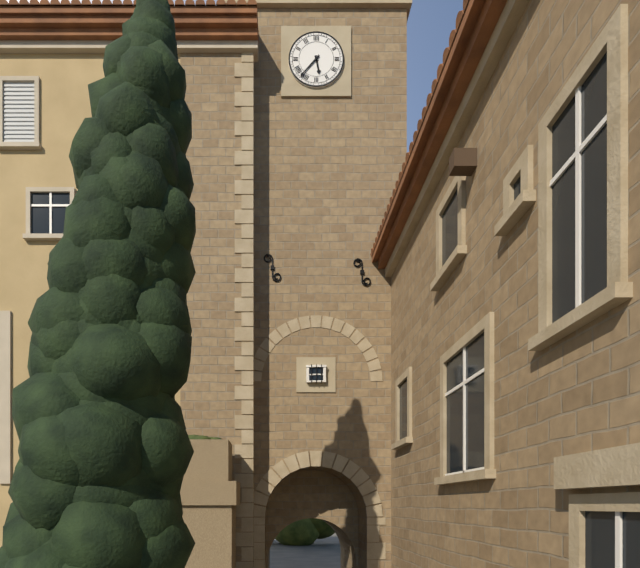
{"hour": 5, "minute": 37}
